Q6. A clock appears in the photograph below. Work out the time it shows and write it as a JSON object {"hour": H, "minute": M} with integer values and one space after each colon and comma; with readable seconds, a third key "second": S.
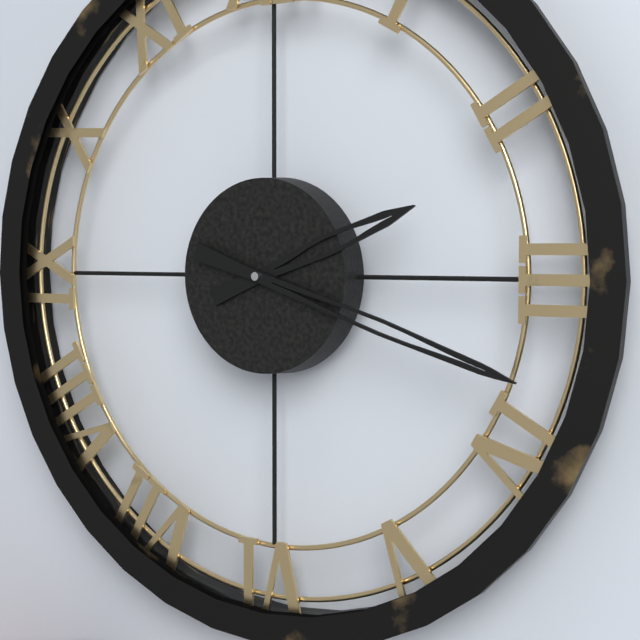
{"hour": 2, "minute": 18}
